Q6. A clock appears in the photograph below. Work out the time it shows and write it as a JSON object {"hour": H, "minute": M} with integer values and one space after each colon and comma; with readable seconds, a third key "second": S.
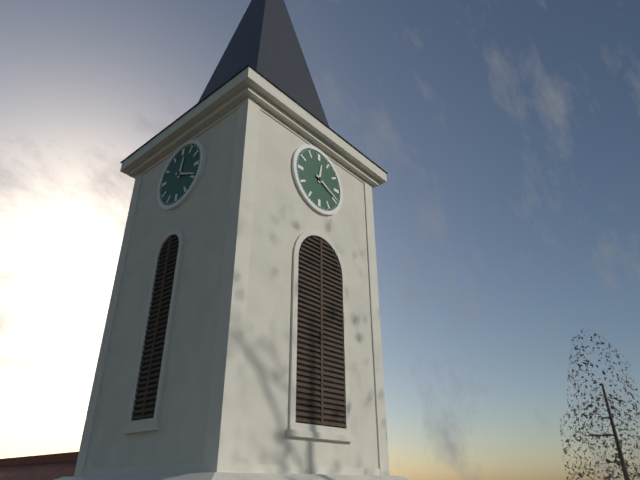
{"hour": 12, "minute": 19}
